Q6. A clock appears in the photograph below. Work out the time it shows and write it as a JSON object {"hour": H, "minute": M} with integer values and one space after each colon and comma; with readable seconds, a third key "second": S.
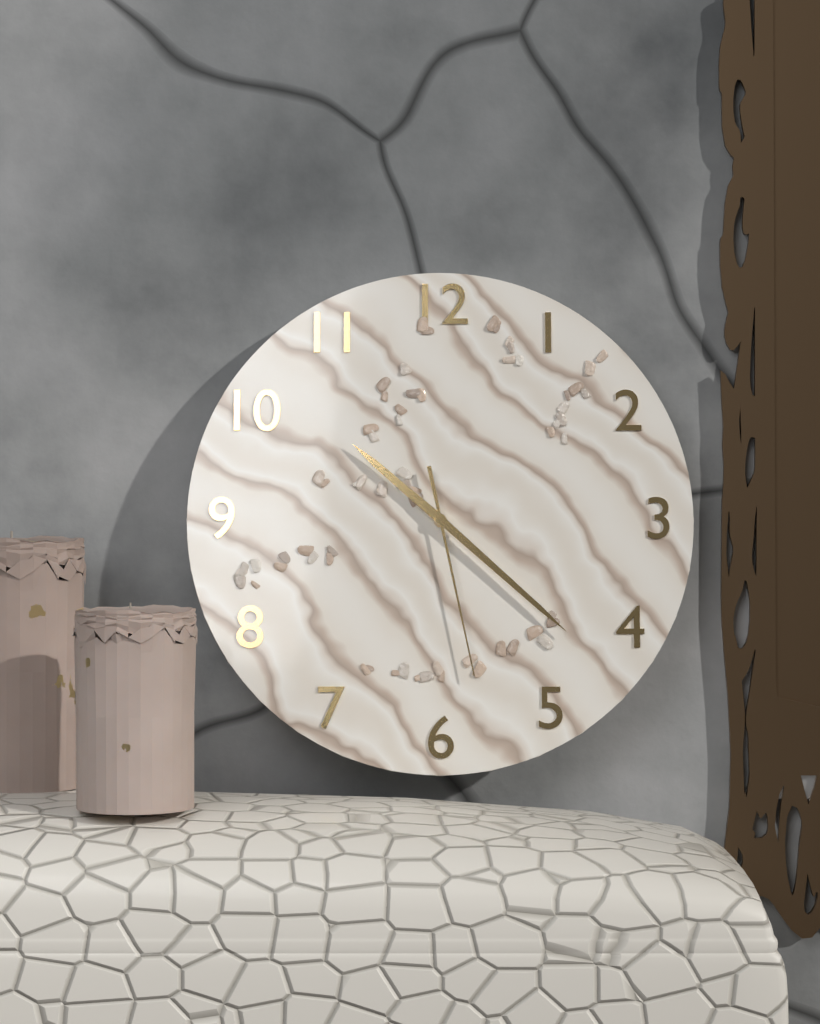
{"hour": 10, "minute": 22, "second": 28}
